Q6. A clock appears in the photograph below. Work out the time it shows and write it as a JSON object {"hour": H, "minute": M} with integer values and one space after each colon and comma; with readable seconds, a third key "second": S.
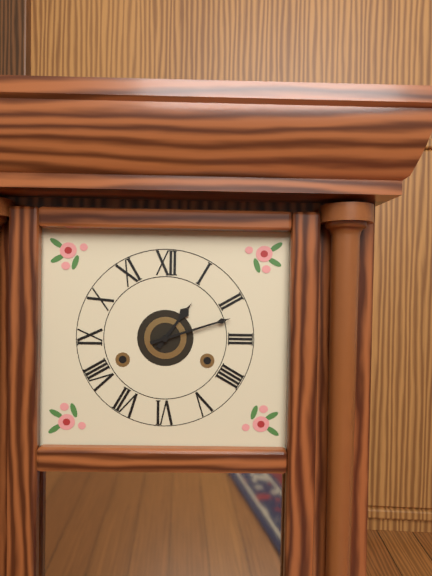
{"hour": 1, "minute": 12}
